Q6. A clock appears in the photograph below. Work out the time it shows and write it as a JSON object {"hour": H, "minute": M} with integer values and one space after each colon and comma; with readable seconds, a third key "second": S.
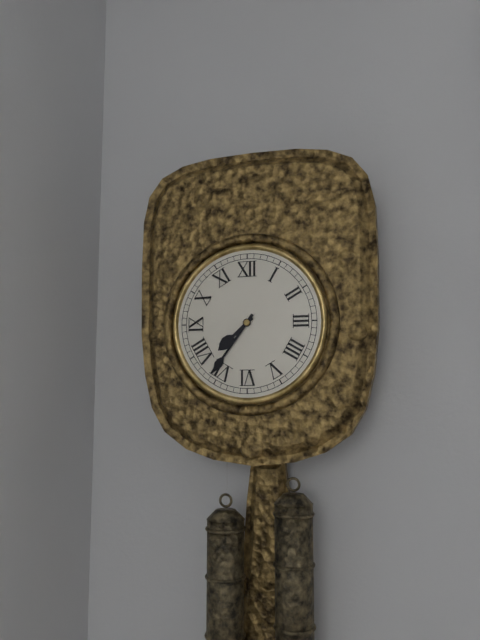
{"hour": 7, "minute": 36}
